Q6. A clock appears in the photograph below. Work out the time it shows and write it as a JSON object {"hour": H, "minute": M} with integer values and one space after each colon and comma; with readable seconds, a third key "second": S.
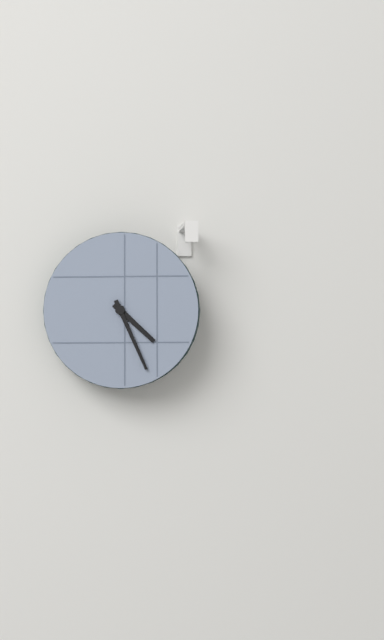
{"hour": 4, "minute": 26}
